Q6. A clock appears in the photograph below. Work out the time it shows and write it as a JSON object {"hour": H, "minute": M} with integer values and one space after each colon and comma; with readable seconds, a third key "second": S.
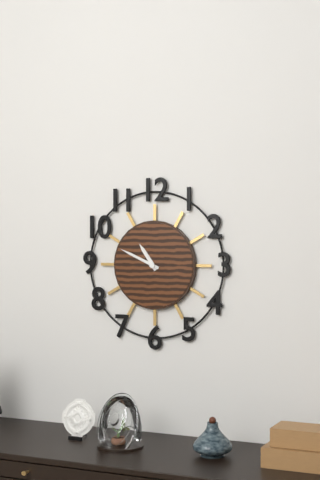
{"hour": 10, "minute": 49}
